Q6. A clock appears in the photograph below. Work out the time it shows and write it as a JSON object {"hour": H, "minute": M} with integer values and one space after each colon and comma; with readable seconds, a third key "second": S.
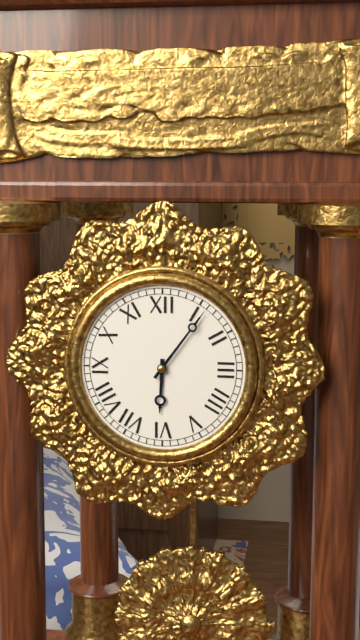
{"hour": 6, "minute": 6}
